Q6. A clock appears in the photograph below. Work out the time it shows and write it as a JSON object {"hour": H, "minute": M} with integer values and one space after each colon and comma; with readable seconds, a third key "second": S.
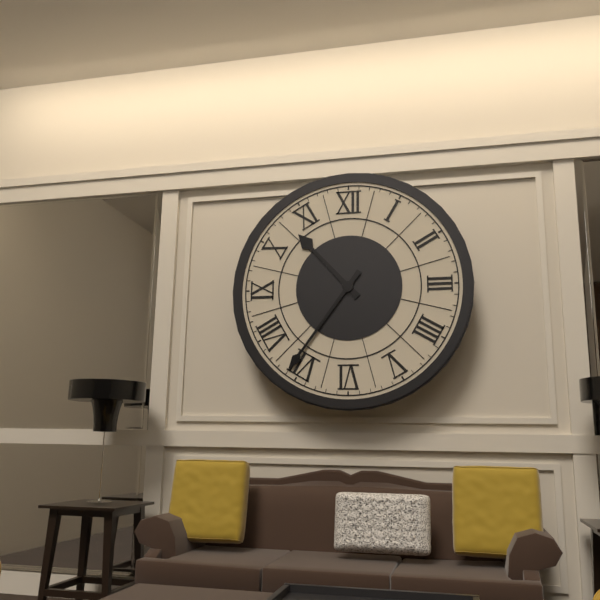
{"hour": 10, "minute": 36}
